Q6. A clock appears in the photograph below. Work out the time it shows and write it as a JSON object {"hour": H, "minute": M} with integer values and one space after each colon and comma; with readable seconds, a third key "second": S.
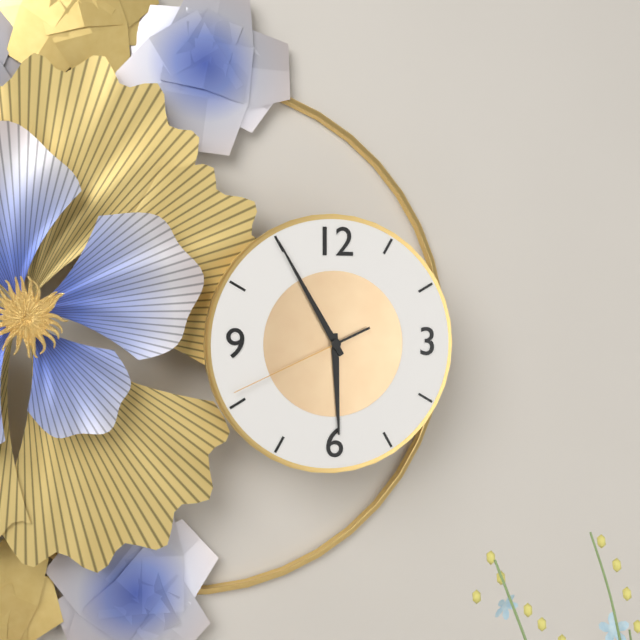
{"hour": 5, "minute": 55, "second": 41}
